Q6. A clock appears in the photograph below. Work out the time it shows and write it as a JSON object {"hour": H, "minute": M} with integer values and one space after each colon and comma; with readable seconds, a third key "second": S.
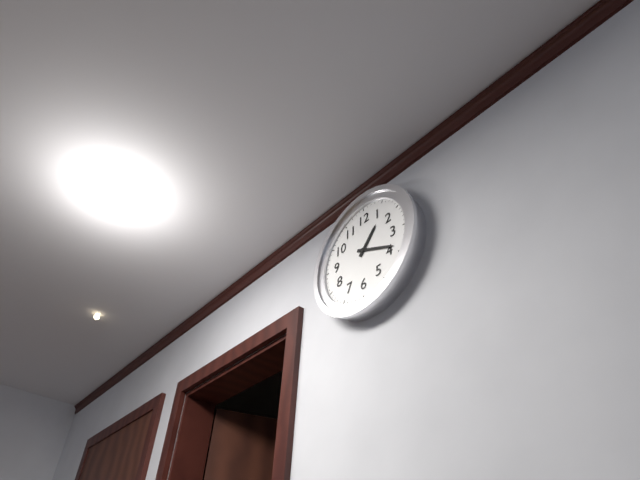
{"hour": 1, "minute": 19}
